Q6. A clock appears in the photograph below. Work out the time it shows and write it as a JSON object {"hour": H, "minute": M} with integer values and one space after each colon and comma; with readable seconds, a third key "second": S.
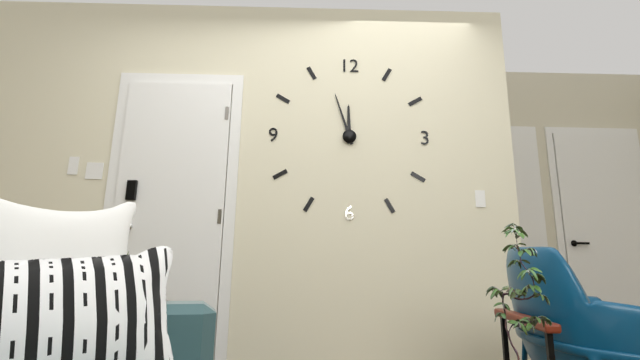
{"hour": 11, "minute": 57}
